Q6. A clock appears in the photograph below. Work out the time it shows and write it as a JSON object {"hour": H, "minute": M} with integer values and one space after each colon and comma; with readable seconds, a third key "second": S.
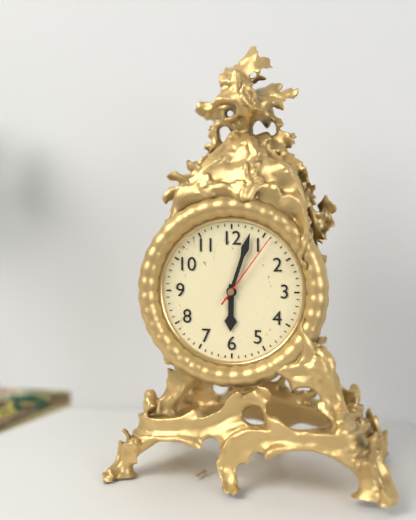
{"hour": 6, "minute": 3, "second": 6}
